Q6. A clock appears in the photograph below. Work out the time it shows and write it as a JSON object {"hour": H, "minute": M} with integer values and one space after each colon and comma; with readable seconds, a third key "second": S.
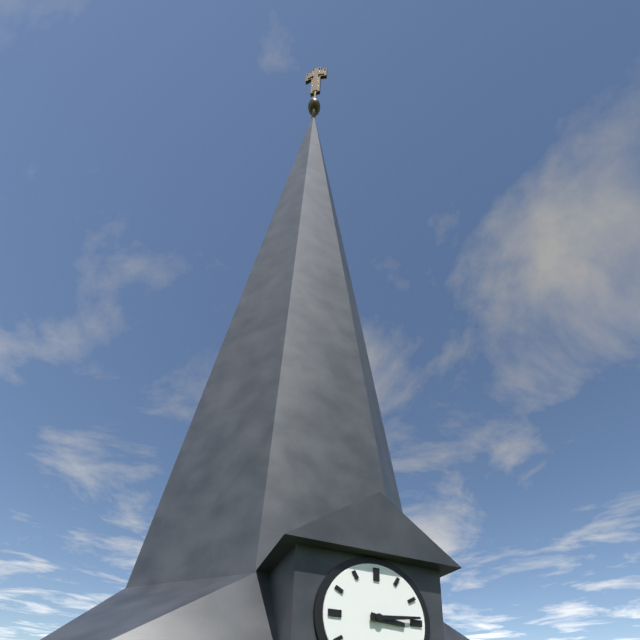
{"hour": 3, "minute": 14}
